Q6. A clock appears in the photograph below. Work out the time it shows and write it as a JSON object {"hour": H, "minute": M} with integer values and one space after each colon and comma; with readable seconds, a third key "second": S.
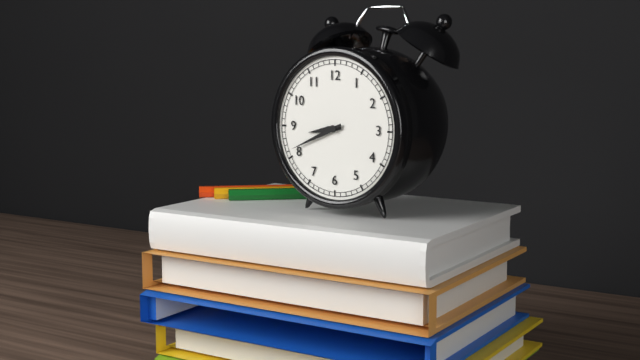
{"hour": 8, "minute": 41}
